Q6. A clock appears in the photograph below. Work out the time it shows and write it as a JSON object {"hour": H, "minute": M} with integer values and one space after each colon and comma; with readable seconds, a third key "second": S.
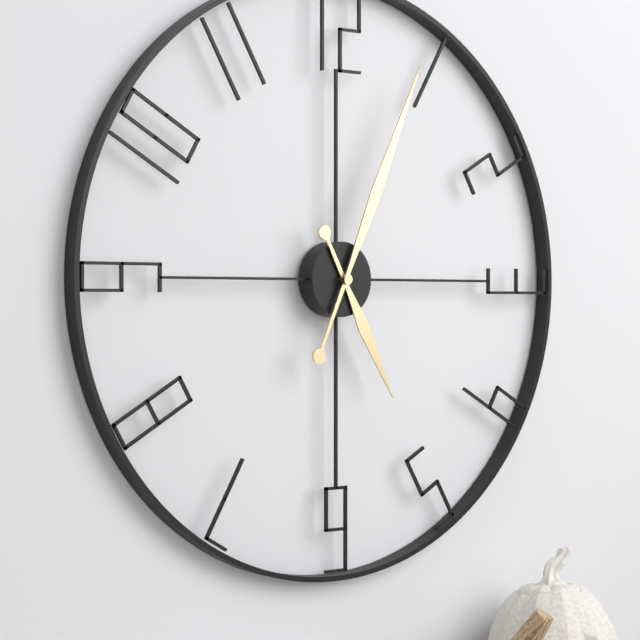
{"hour": 5, "minute": 4}
